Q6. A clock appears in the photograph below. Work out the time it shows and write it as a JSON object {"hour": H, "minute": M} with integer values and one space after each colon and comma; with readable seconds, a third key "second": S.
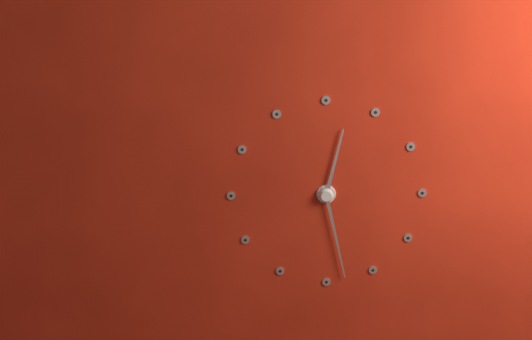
{"hour": 12, "minute": 28}
